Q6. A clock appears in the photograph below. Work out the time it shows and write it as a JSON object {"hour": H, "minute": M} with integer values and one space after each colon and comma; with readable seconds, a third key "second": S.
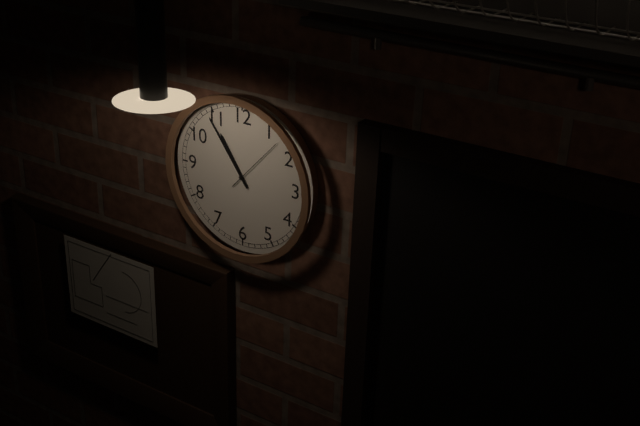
{"hour": 10, "minute": 54, "second": 7}
